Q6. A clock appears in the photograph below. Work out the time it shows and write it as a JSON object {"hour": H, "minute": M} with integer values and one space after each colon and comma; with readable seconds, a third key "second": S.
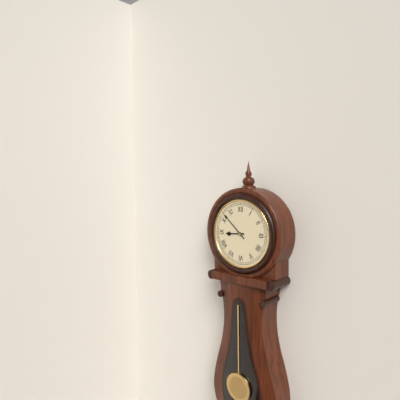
{"hour": 8, "minute": 52}
